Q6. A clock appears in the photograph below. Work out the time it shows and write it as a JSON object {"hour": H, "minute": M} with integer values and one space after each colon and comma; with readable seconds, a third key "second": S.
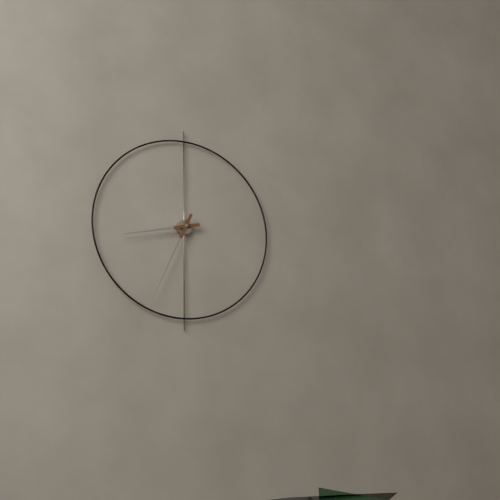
{"hour": 8, "minute": 34}
